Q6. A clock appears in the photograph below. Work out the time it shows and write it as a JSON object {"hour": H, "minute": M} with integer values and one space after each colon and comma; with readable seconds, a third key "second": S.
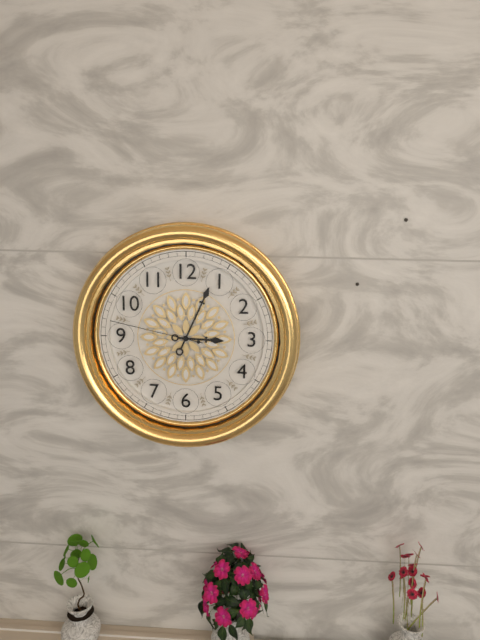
{"hour": 3, "minute": 4, "second": 47}
